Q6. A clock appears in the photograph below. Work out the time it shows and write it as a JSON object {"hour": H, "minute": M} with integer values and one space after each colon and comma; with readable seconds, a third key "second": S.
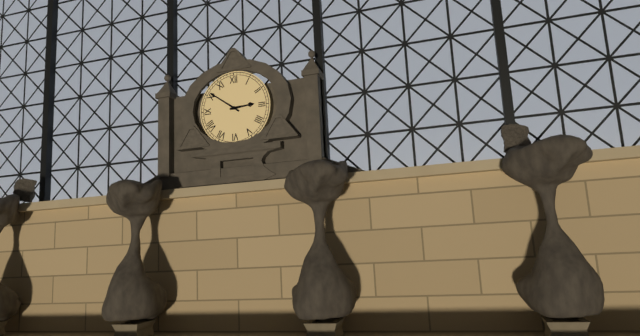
{"hour": 2, "minute": 51}
